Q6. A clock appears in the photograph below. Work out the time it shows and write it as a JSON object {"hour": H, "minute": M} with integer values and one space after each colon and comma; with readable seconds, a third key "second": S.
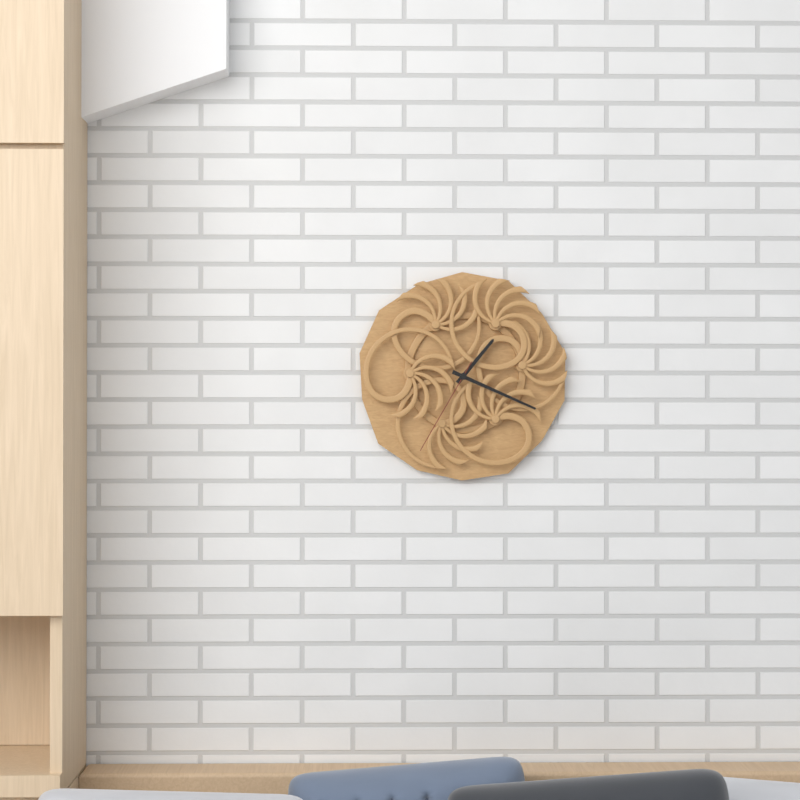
{"hour": 1, "minute": 19, "second": 35}
